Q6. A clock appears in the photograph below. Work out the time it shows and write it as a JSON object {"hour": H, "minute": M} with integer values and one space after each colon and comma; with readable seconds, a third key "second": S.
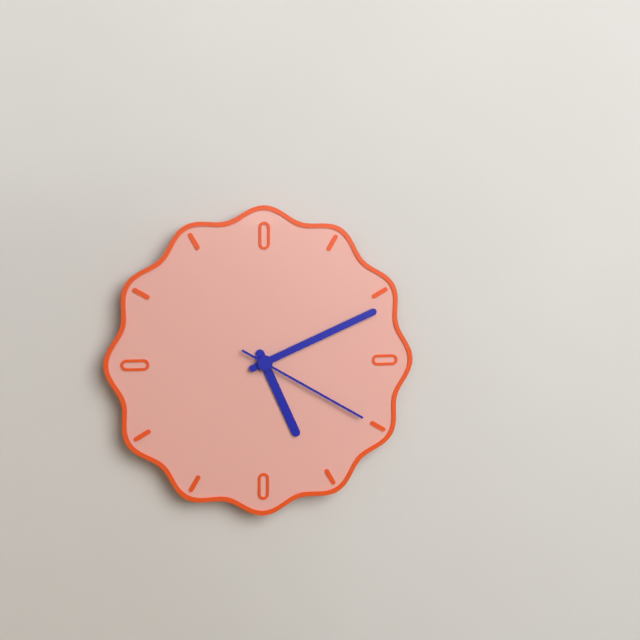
{"hour": 5, "minute": 11, "second": 20}
